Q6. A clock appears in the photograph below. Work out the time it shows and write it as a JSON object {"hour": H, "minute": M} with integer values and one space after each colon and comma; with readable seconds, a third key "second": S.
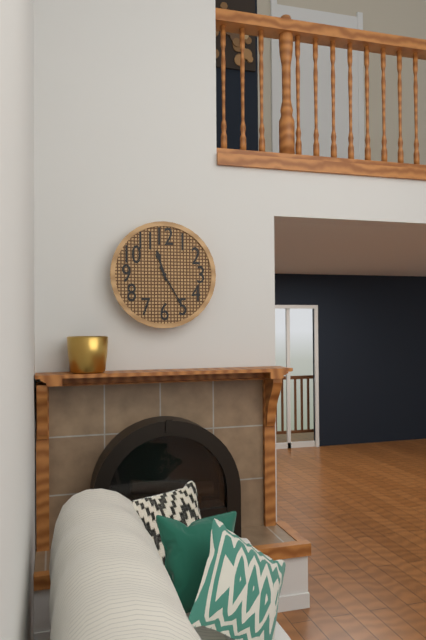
{"hour": 11, "minute": 25}
